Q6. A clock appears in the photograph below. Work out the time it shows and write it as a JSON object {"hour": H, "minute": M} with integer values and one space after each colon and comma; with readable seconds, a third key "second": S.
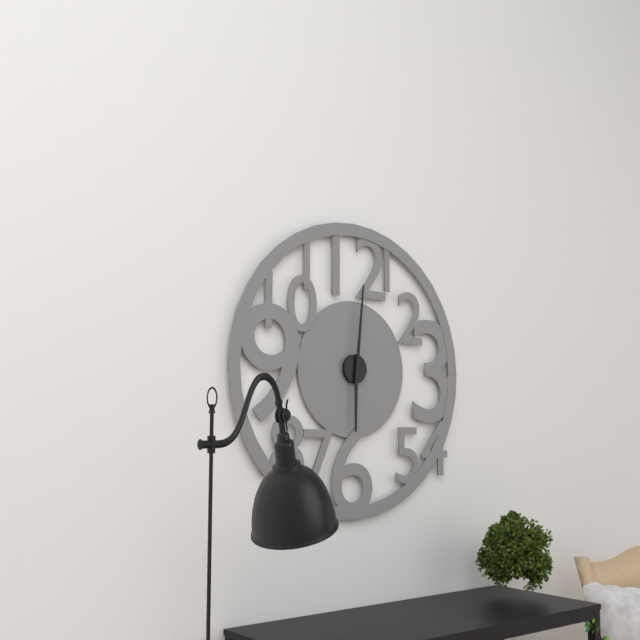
{"hour": 6, "minute": 1}
